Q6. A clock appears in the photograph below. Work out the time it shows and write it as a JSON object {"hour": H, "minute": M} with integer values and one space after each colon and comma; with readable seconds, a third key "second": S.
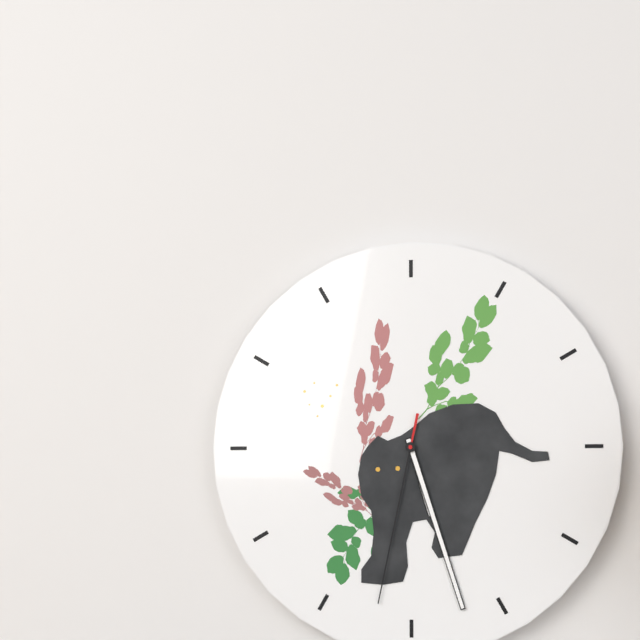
{"hour": 5, "minute": 27, "second": 32}
